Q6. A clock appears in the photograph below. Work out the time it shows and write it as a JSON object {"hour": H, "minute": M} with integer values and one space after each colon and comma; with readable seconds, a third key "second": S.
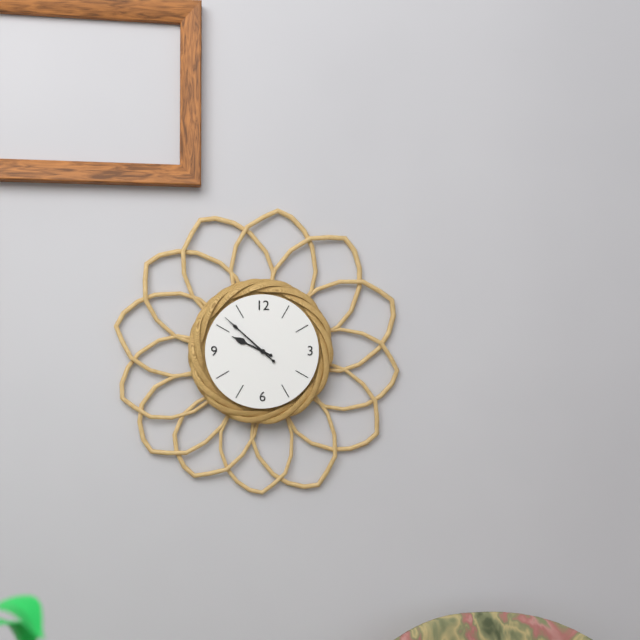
{"hour": 9, "minute": 52}
